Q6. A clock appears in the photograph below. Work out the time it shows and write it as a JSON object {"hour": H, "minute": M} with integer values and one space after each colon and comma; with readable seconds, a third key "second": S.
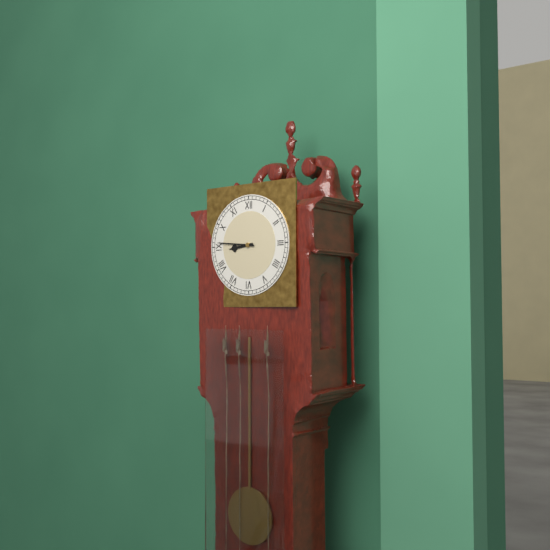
{"hour": 8, "minute": 46}
